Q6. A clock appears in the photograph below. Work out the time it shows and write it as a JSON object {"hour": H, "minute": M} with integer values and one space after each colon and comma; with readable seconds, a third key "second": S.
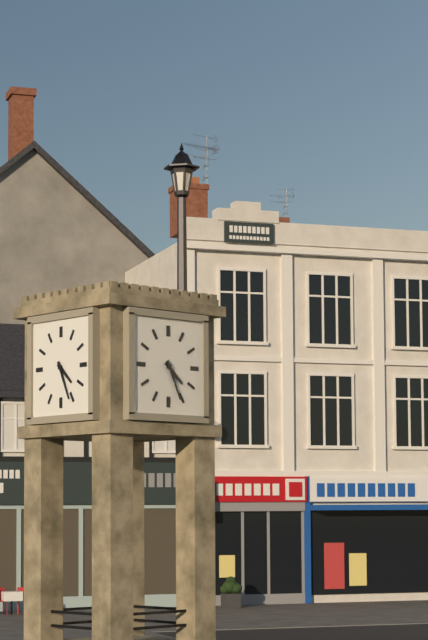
{"hour": 4, "minute": 26}
